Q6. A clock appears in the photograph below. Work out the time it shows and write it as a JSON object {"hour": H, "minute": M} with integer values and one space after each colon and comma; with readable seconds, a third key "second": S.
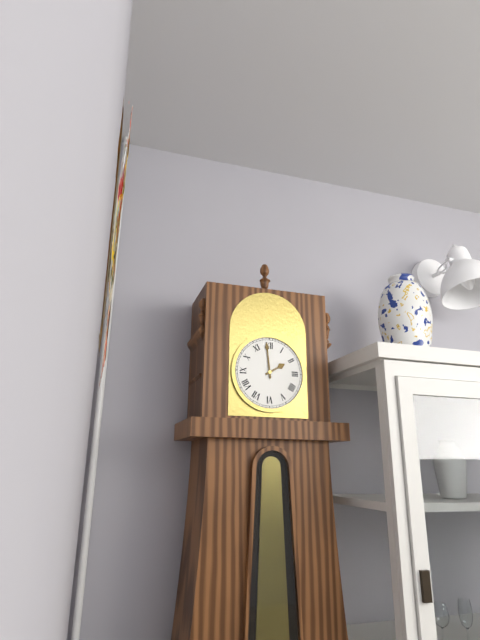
{"hour": 1, "minute": 59}
